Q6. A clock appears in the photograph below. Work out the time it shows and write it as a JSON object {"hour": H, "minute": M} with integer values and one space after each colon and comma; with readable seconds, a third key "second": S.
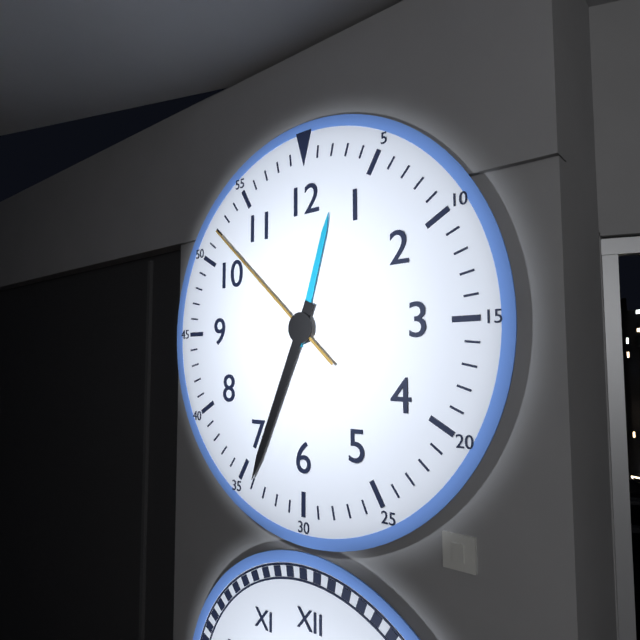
{"hour": 12, "minute": 34, "second": 52}
